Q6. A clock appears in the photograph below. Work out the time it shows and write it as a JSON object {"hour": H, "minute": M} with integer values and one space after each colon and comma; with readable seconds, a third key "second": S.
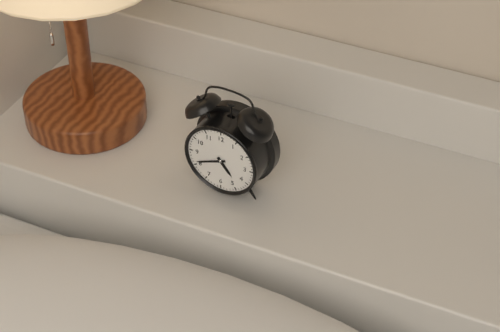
{"hour": 4, "minute": 41}
